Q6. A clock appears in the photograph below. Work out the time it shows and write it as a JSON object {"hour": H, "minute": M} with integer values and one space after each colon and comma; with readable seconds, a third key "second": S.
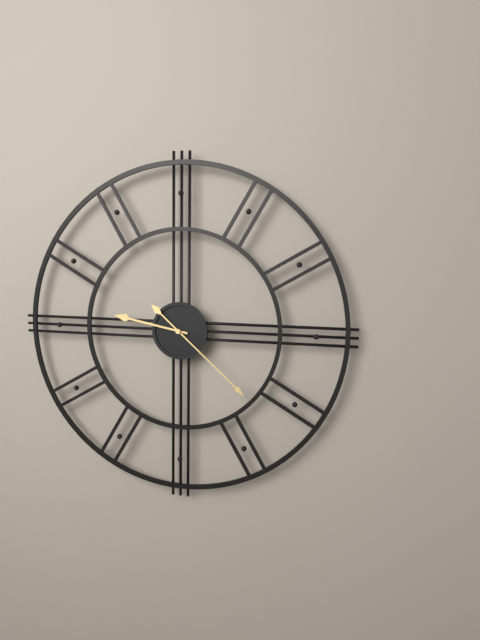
{"hour": 9, "minute": 22}
